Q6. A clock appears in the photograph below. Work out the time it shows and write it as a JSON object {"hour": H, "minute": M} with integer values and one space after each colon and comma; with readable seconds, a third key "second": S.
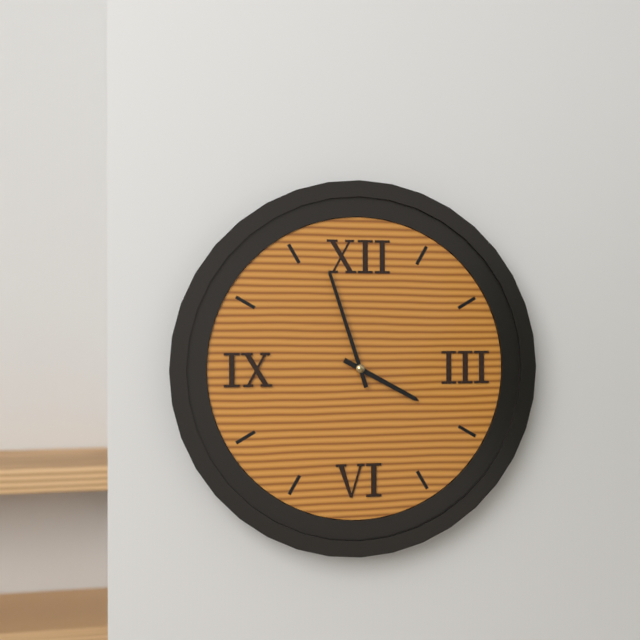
{"hour": 3, "minute": 57}
